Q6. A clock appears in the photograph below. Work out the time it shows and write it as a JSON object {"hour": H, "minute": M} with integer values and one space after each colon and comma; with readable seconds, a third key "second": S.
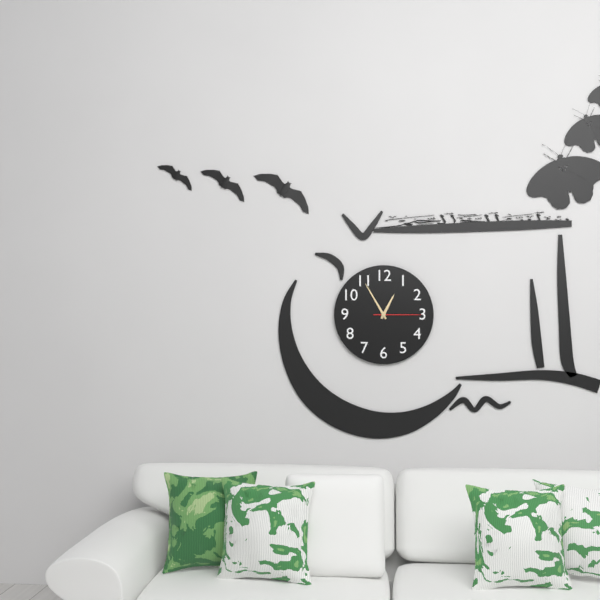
{"hour": 12, "minute": 55}
